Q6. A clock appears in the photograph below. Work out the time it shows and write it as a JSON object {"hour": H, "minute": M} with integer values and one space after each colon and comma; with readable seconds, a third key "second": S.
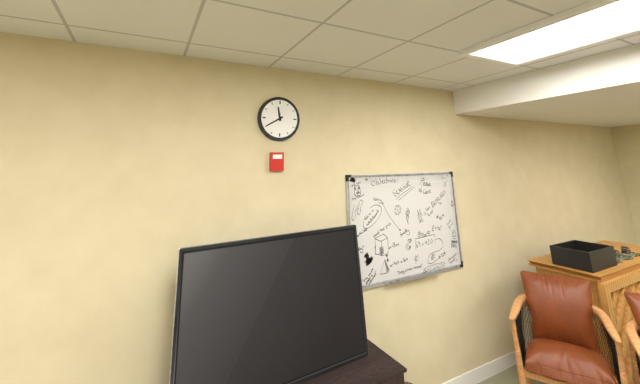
{"hour": 11, "minute": 40}
